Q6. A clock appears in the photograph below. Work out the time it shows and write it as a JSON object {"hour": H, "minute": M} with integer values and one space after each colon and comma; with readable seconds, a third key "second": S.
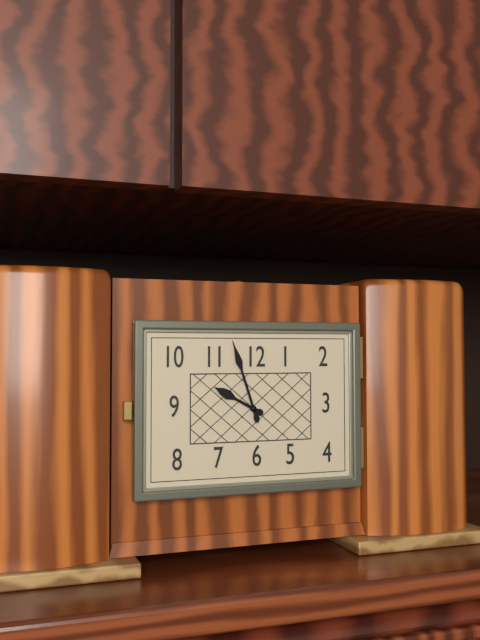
{"hour": 9, "minute": 57}
